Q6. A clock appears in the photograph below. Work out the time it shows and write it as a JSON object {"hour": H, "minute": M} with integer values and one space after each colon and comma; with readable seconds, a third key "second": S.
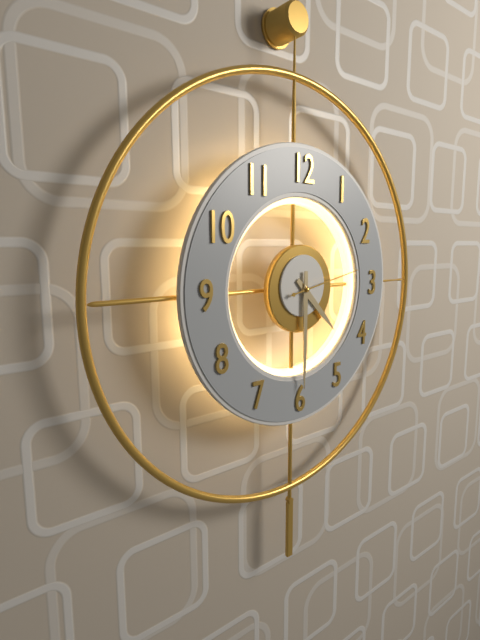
{"hour": 4, "minute": 30, "second": 13}
